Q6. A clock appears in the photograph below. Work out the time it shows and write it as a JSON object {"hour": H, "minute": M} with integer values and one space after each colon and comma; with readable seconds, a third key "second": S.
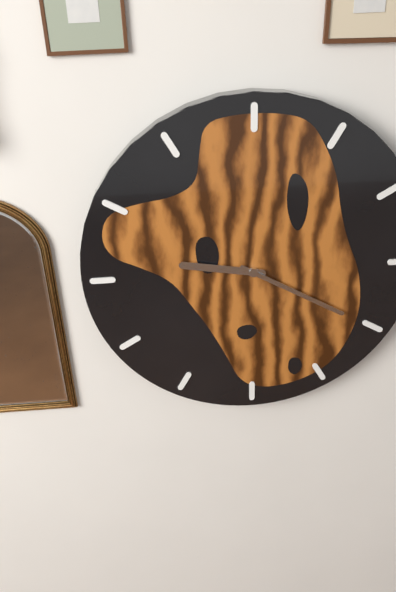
{"hour": 9, "minute": 20}
